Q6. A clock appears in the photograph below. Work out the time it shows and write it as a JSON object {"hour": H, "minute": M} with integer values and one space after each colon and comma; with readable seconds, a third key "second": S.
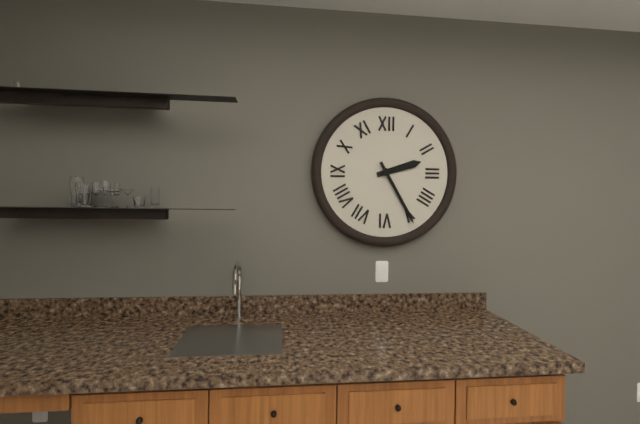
{"hour": 2, "minute": 25}
